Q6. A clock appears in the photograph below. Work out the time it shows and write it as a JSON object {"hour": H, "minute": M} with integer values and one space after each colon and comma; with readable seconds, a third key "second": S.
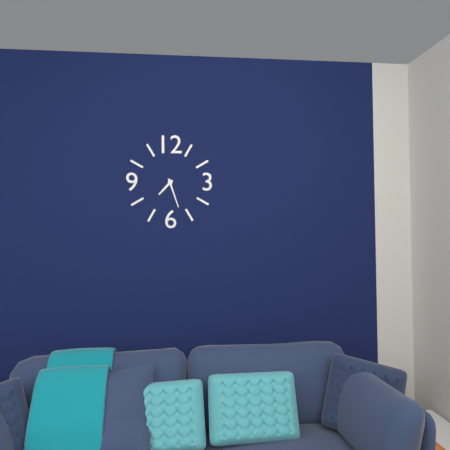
{"hour": 7, "minute": 27}
